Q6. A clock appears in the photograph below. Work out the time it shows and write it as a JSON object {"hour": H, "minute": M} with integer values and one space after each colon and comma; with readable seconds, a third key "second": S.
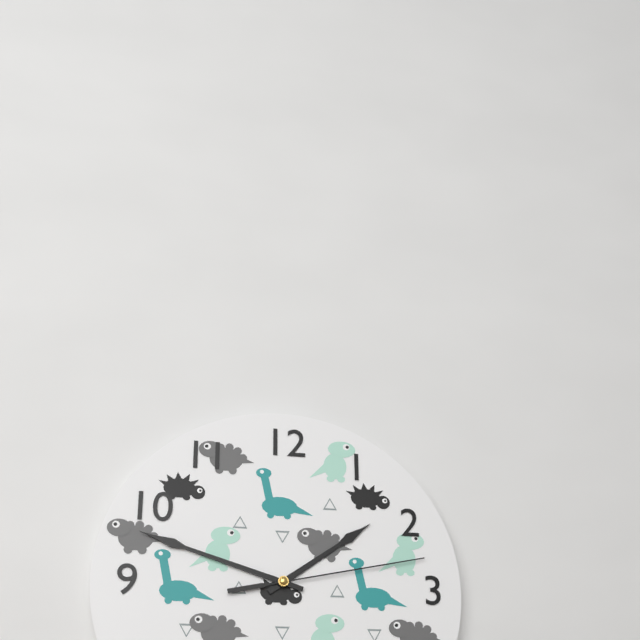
{"hour": 1, "minute": 48, "second": 13}
